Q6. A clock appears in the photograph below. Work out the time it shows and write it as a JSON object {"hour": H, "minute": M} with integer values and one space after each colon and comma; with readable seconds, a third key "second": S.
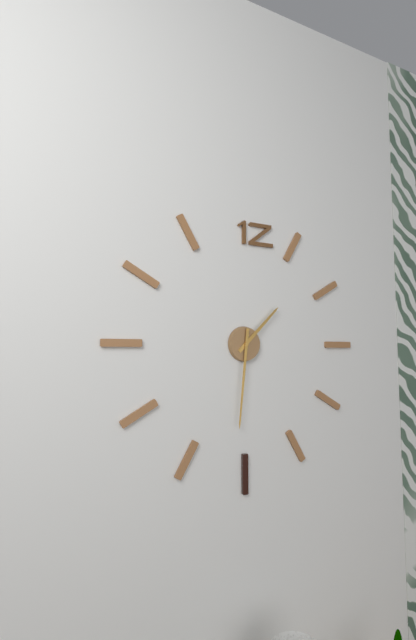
{"hour": 1, "minute": 31}
